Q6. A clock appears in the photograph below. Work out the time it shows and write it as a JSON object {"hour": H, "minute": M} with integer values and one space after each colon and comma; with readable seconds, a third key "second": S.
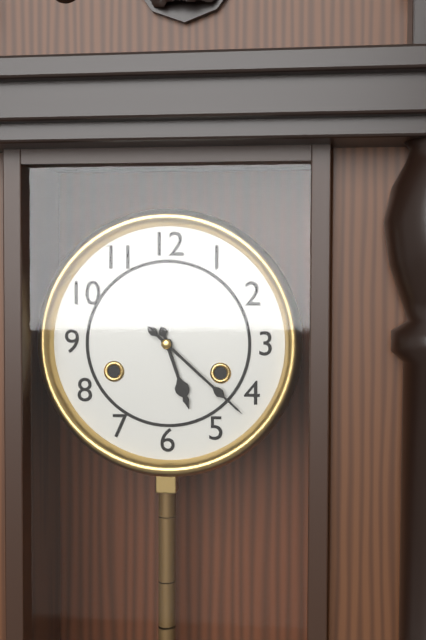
{"hour": 5, "minute": 22}
